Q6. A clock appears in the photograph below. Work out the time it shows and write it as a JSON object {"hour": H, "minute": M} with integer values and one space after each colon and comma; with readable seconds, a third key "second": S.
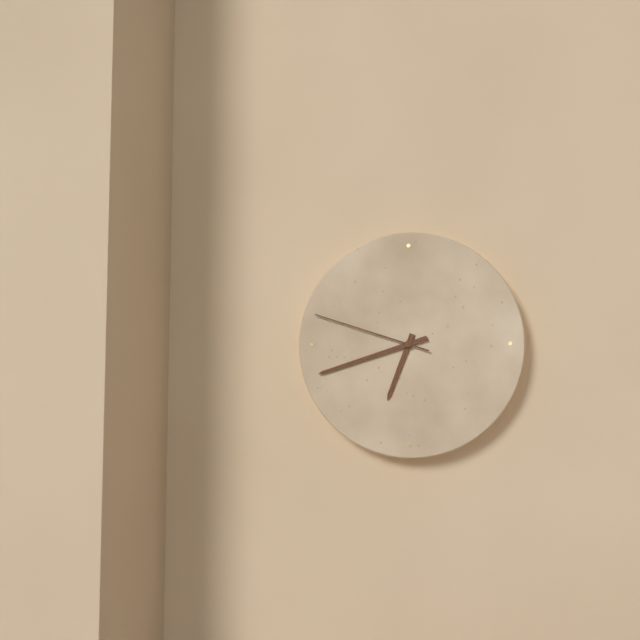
{"hour": 6, "minute": 42, "second": 48}
